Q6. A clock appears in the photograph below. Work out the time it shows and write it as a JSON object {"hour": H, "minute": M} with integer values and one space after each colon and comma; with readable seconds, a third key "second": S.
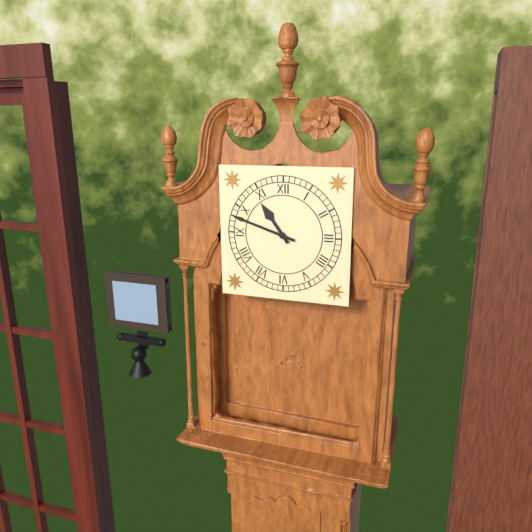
{"hour": 10, "minute": 48}
